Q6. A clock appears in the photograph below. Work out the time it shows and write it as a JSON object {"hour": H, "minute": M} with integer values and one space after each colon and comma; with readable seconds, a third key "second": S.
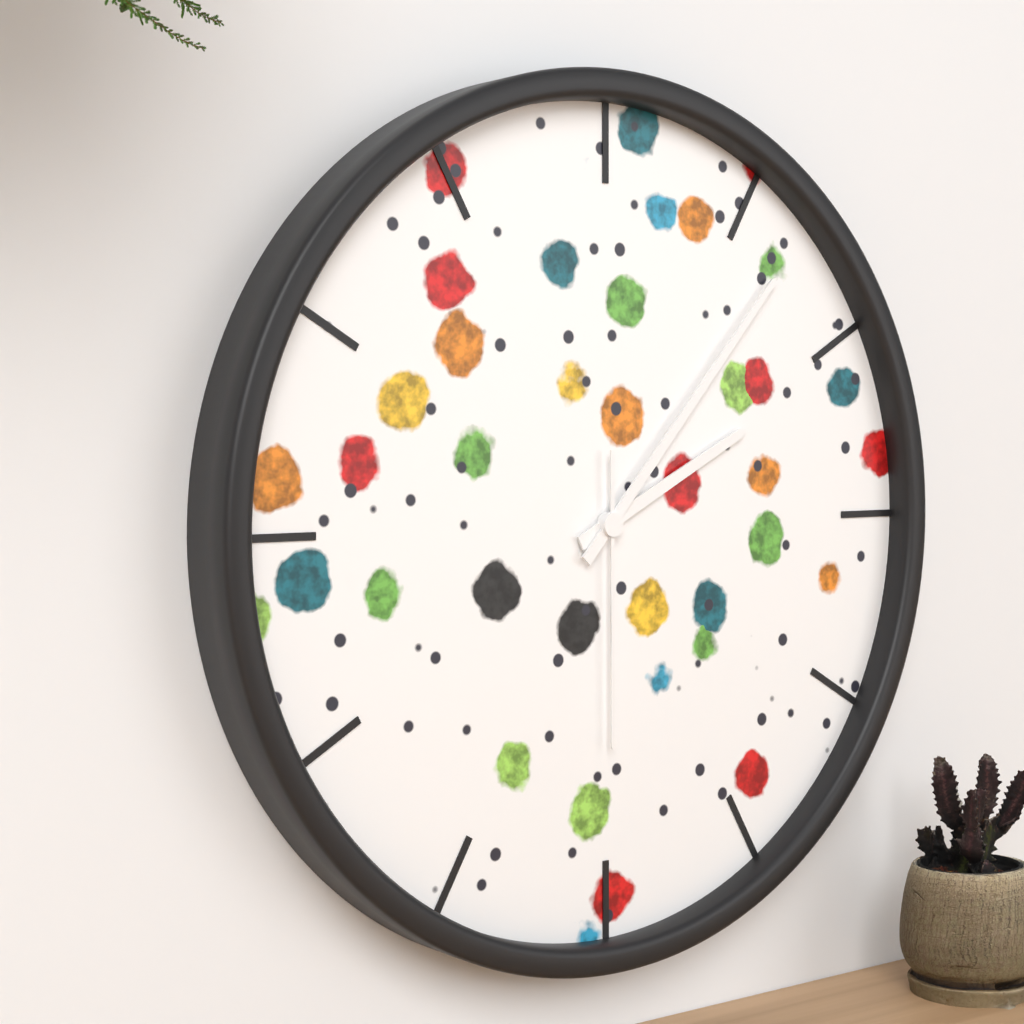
{"hour": 2, "minute": 7, "second": 30}
